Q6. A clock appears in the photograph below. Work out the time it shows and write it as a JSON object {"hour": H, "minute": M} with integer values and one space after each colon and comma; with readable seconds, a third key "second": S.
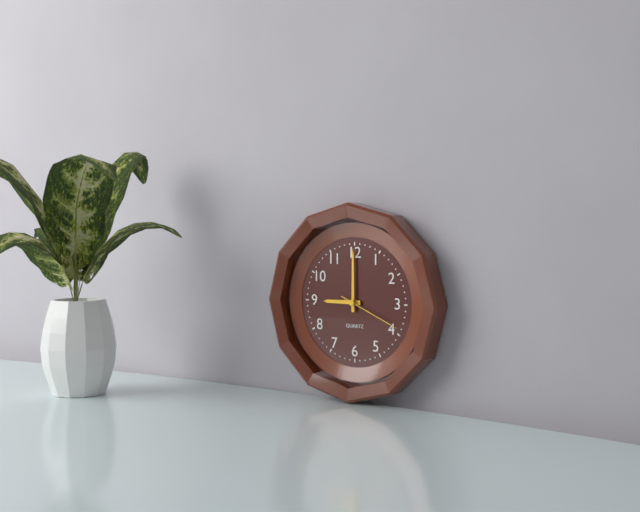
{"hour": 9, "minute": 0, "second": 19}
